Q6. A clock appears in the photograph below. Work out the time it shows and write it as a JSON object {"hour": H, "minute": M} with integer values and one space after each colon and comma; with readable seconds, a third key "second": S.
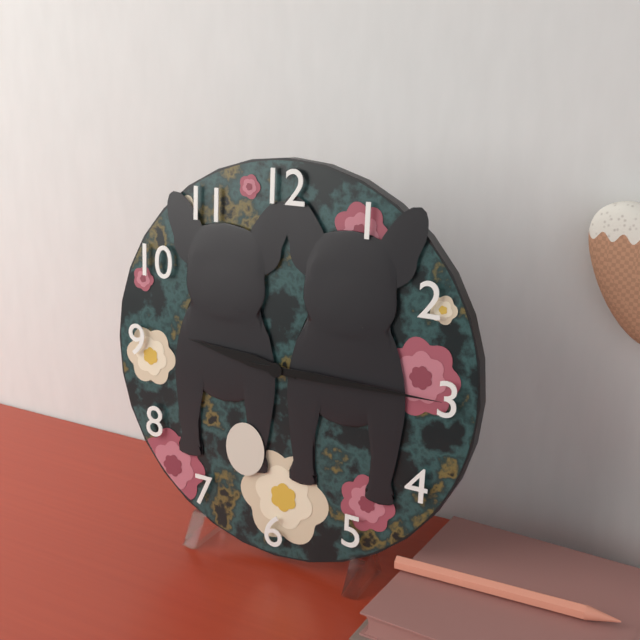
{"hour": 9, "minute": 15}
